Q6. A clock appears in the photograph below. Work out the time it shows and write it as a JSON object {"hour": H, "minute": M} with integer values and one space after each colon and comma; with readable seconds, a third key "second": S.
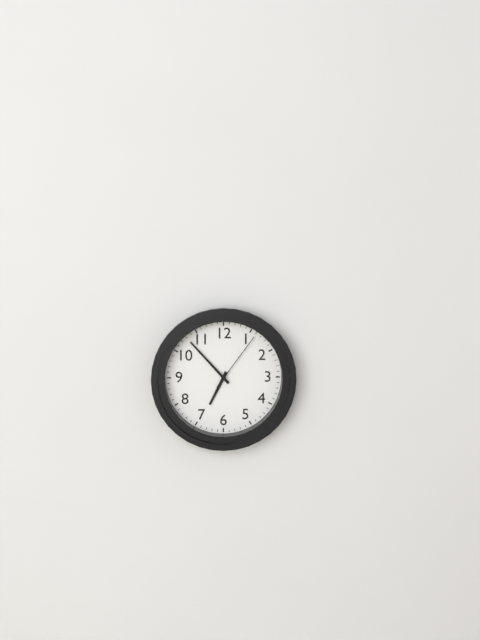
{"hour": 6, "minute": 53, "second": 6}
